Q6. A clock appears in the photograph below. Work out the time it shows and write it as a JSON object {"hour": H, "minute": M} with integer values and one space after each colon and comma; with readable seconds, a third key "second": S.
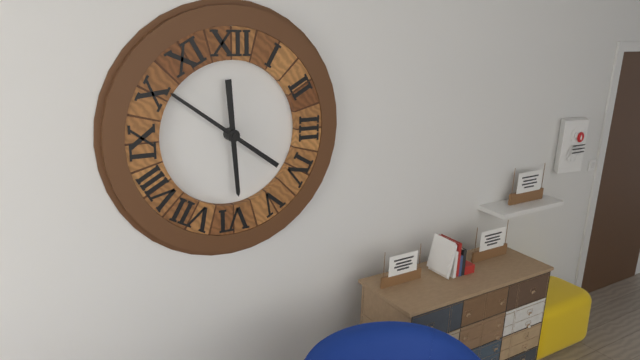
{"hour": 5, "minute": 51}
